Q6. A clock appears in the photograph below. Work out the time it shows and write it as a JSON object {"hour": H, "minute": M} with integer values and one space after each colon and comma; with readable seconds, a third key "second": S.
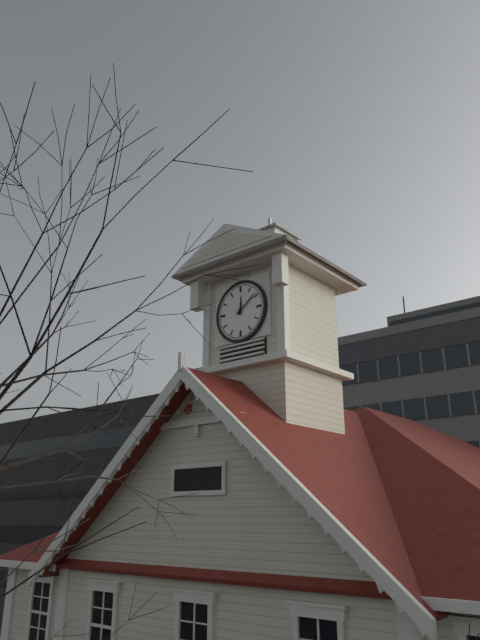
{"hour": 12, "minute": 9}
